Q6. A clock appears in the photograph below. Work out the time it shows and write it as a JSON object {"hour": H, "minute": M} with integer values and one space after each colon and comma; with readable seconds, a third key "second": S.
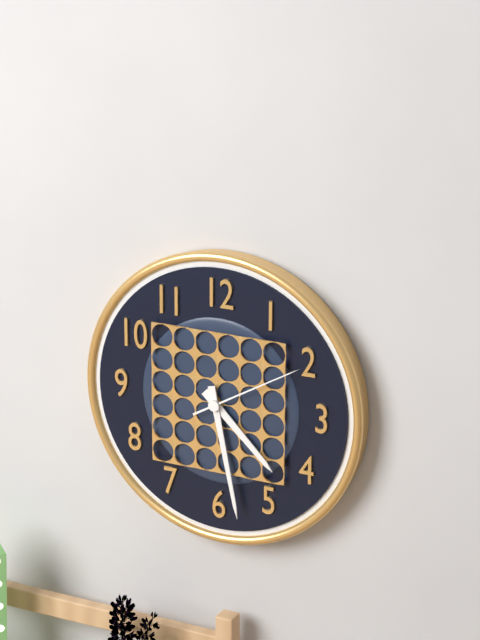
{"hour": 4, "minute": 28, "second": 10}
